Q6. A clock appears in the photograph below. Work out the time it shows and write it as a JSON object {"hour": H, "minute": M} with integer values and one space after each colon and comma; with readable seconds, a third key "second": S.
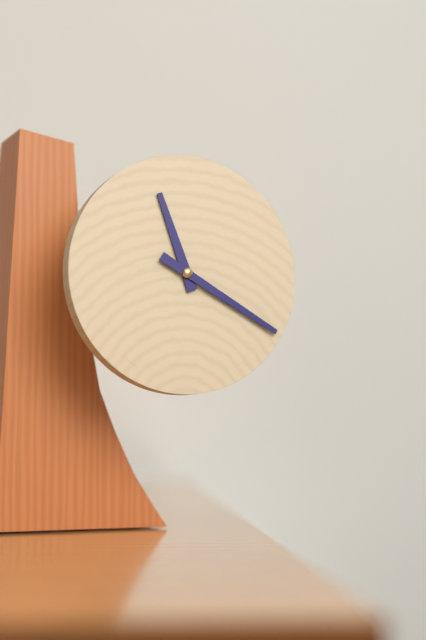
{"hour": 11, "minute": 20}
